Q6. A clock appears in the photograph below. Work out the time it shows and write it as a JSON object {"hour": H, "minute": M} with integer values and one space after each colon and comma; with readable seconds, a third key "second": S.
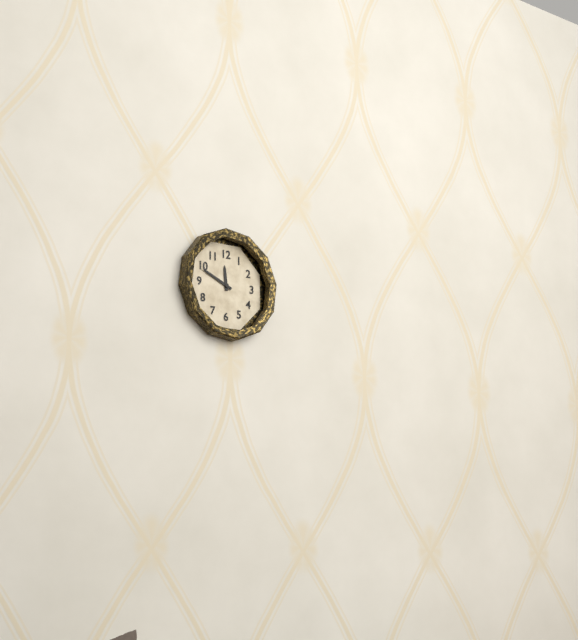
{"hour": 11, "minute": 49}
